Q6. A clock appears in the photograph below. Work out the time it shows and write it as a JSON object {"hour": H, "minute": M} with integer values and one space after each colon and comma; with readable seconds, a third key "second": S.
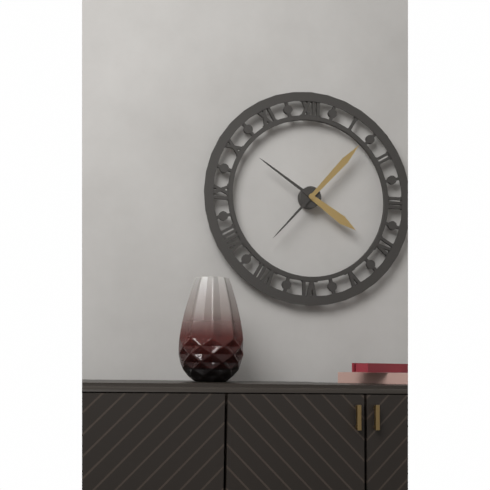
{"hour": 4, "minute": 7}
